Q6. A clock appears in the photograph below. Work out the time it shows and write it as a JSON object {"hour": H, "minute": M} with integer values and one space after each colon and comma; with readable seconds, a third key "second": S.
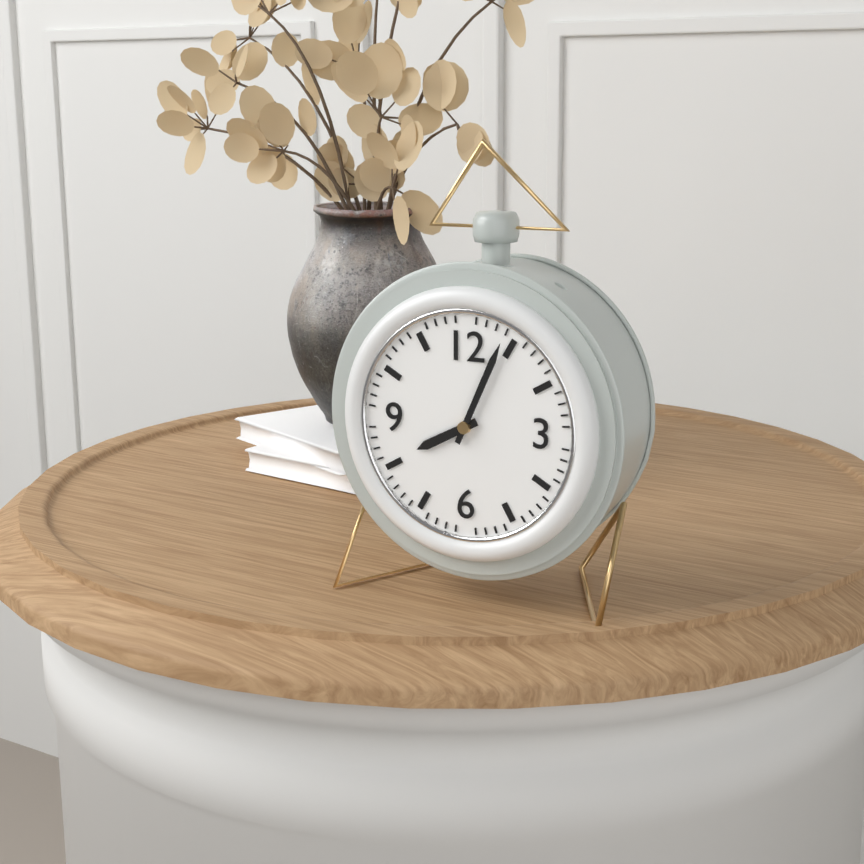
{"hour": 8, "minute": 4}
